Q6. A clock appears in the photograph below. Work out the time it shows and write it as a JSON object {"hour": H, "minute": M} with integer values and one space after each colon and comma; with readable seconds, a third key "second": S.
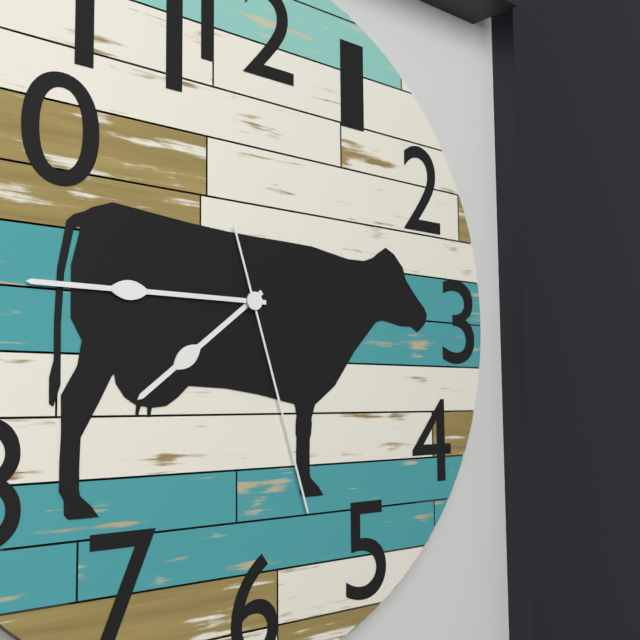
{"hour": 7, "minute": 45, "second": 27}
